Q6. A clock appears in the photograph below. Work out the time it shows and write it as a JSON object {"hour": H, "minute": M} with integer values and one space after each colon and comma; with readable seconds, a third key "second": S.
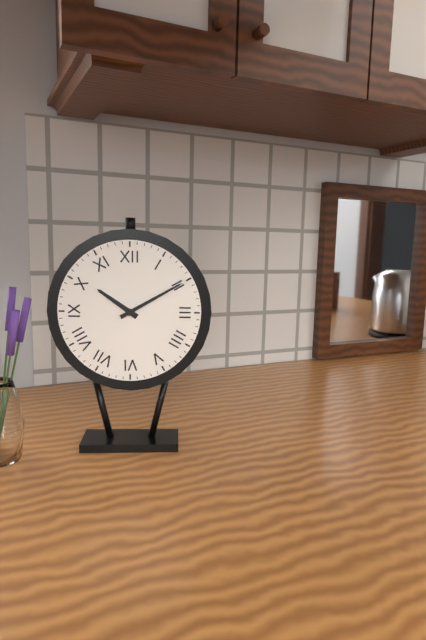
{"hour": 10, "minute": 10}
